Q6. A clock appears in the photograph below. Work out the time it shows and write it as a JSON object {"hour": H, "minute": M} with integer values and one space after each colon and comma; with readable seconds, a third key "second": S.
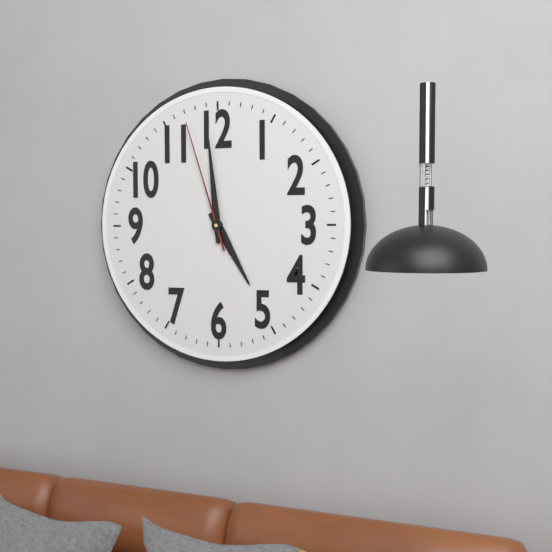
{"hour": 4, "minute": 59, "second": 57}
